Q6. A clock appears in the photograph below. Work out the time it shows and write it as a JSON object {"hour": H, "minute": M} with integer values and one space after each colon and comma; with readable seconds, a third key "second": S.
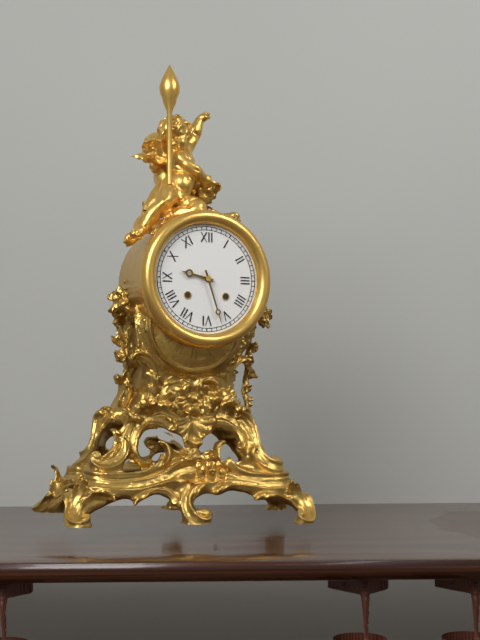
{"hour": 9, "minute": 27}
